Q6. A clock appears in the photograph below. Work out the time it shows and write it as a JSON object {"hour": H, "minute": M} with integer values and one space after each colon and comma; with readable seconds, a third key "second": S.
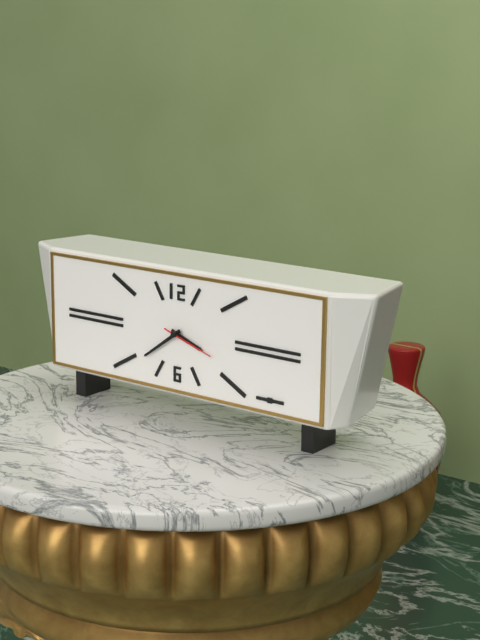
{"hour": 3, "minute": 39}
